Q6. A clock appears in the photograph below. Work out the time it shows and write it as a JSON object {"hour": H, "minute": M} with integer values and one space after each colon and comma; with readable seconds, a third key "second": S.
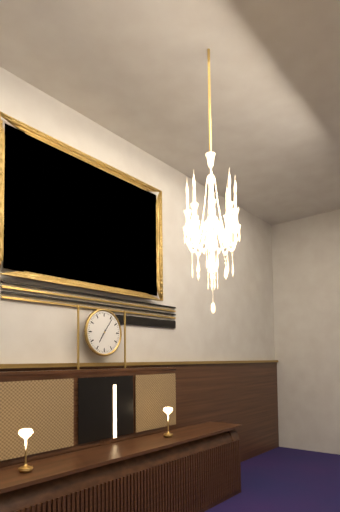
{"hour": 7, "minute": 6}
